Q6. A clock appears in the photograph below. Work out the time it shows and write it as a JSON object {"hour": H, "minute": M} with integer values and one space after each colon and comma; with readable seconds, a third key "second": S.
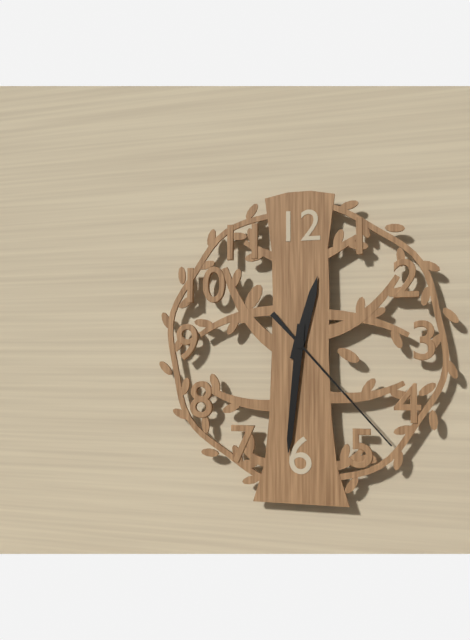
{"hour": 12, "minute": 31, "second": 23}
